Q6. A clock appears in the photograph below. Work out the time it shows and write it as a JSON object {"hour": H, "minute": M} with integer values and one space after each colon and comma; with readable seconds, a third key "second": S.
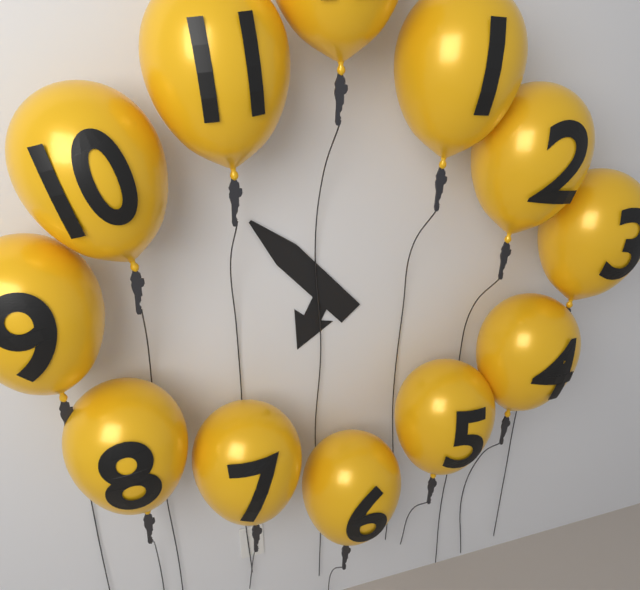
{"hour": 6, "minute": 53}
